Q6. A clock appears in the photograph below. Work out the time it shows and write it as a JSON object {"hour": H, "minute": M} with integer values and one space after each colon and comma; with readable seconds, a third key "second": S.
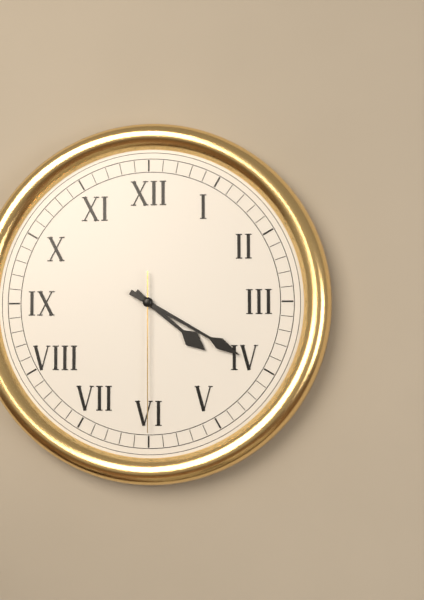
{"hour": 4, "minute": 20, "second": 30}
